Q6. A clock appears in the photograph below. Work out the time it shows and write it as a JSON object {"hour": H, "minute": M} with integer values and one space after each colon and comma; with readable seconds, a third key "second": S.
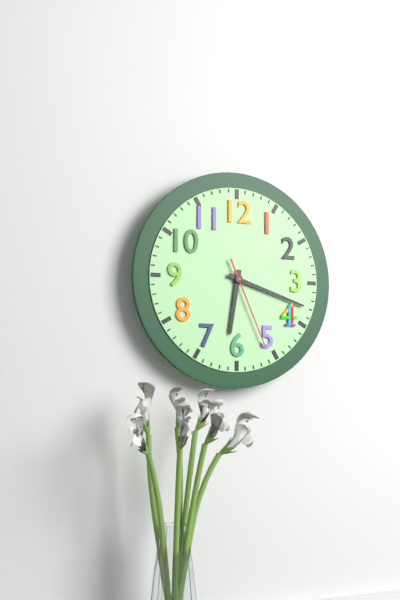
{"hour": 6, "minute": 18, "second": 26}
